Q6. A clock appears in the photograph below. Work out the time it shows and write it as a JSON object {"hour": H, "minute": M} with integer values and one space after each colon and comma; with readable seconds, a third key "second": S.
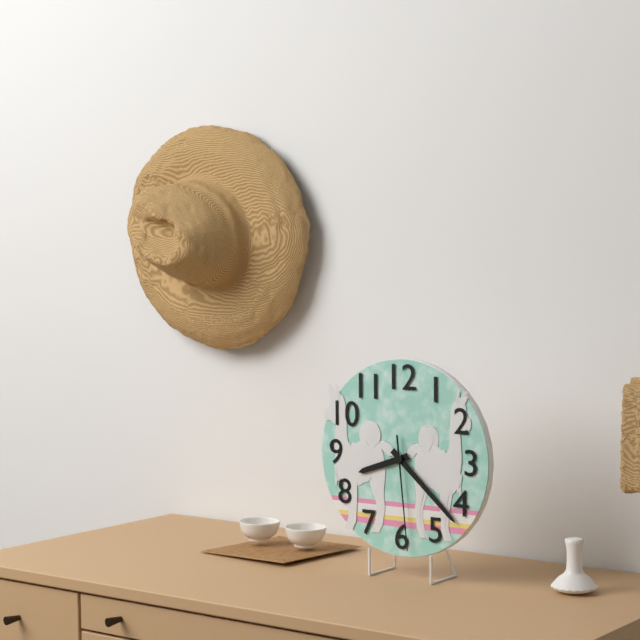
{"hour": 8, "minute": 22, "second": 29}
